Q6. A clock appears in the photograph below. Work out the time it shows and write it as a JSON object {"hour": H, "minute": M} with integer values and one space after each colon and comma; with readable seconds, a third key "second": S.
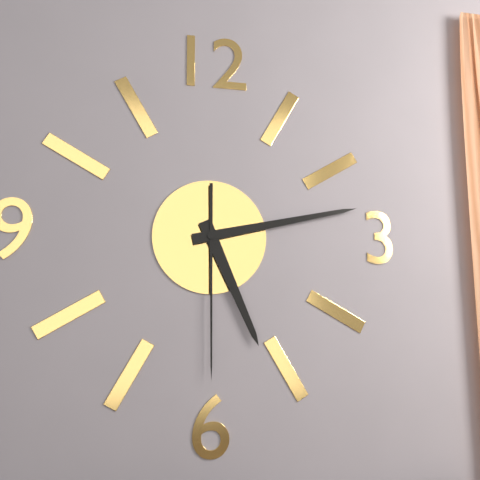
{"hour": 5, "minute": 13, "second": 30}
